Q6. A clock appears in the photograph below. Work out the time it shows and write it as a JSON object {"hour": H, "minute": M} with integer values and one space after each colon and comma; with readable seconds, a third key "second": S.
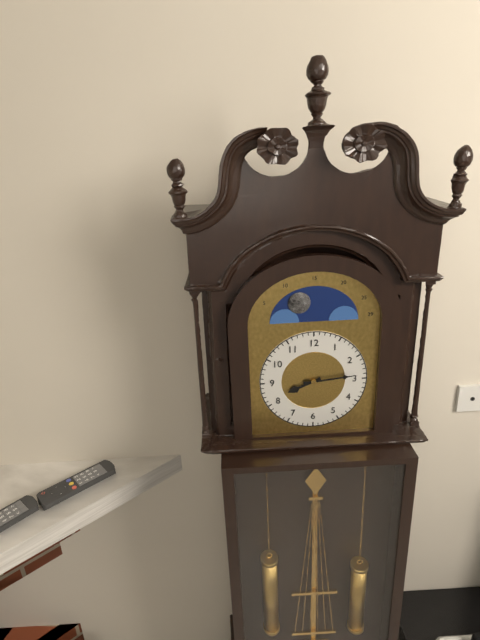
{"hour": 8, "minute": 14}
